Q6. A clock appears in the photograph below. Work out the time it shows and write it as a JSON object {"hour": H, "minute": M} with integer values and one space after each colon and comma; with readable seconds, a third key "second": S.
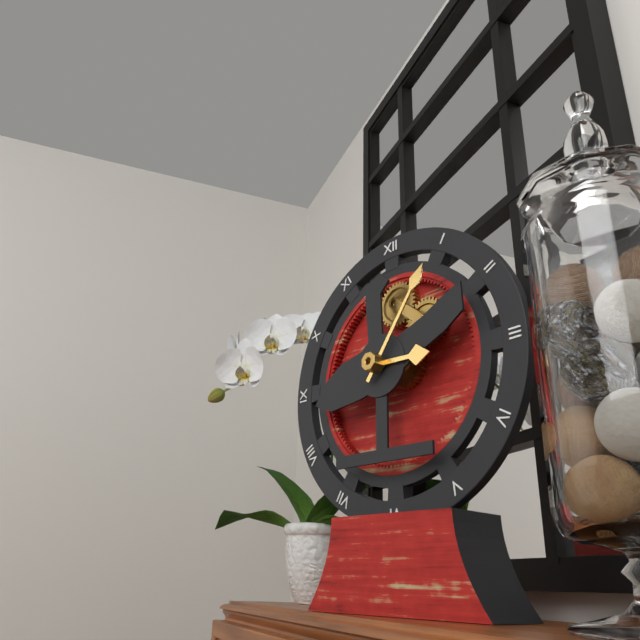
{"hour": 3, "minute": 6}
